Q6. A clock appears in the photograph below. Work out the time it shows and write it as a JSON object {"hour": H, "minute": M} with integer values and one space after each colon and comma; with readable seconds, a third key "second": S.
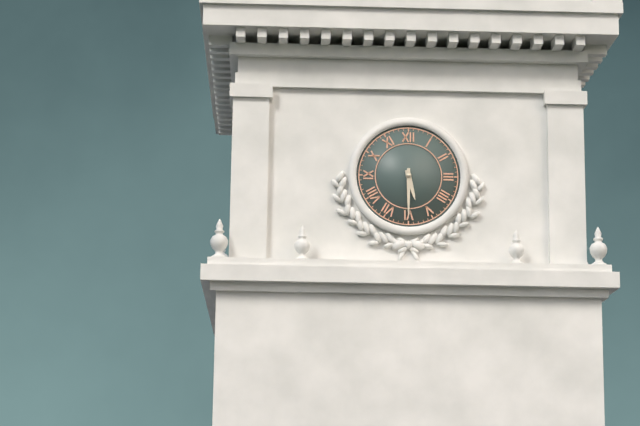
{"hour": 5, "minute": 30}
